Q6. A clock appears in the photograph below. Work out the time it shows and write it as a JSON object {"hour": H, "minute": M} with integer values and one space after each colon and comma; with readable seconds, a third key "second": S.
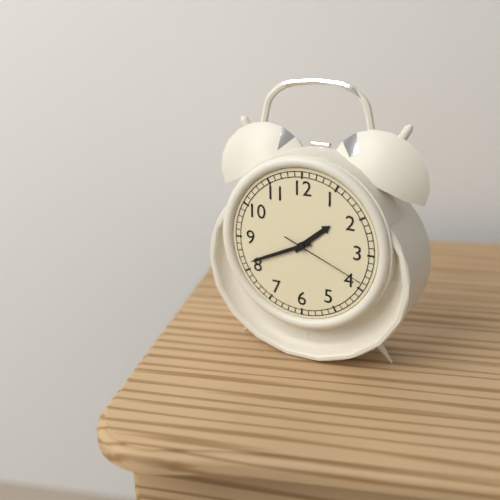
{"hour": 1, "minute": 41, "second": 19}
